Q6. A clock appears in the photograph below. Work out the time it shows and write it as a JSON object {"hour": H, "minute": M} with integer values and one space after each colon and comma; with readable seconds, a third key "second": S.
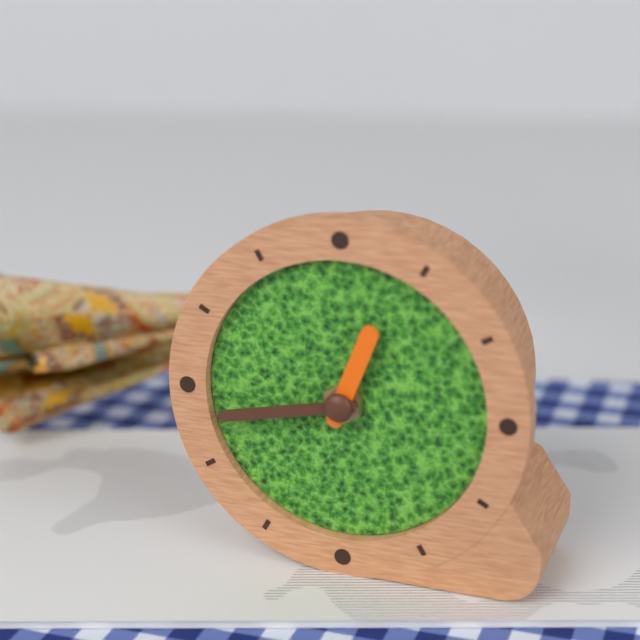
{"hour": 12, "minute": 43}
